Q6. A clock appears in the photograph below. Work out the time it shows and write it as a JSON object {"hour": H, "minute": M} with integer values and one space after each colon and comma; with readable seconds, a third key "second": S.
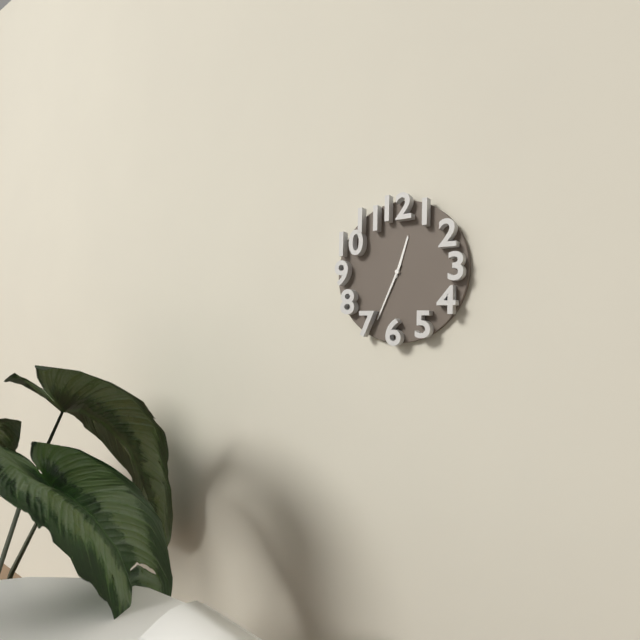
{"hour": 12, "minute": 34}
